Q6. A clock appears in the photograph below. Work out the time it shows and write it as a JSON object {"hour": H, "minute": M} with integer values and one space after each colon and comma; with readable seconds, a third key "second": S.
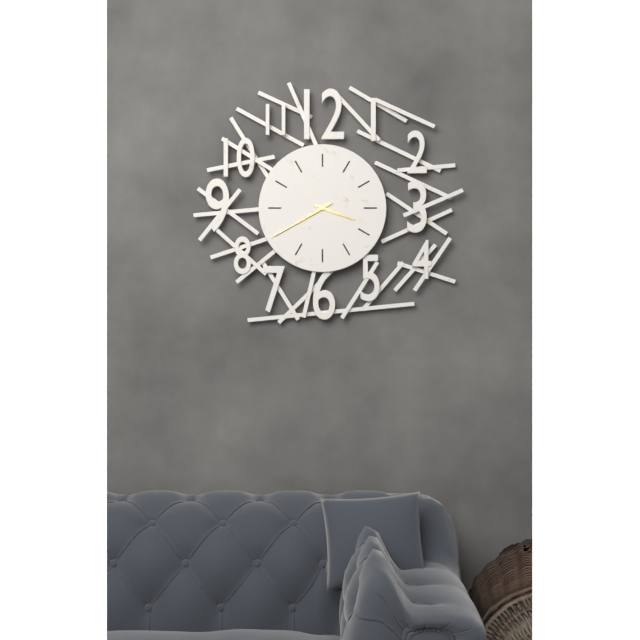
{"hour": 3, "minute": 40}
